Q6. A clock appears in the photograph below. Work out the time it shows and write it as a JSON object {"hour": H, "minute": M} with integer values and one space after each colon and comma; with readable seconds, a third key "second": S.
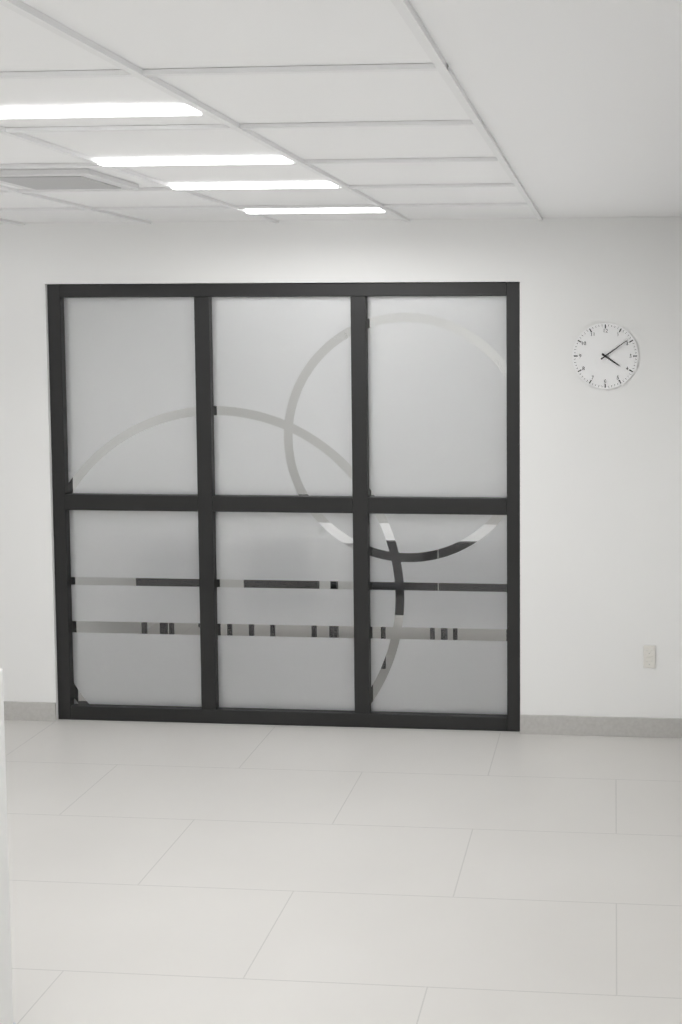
{"hour": 4, "minute": 9}
